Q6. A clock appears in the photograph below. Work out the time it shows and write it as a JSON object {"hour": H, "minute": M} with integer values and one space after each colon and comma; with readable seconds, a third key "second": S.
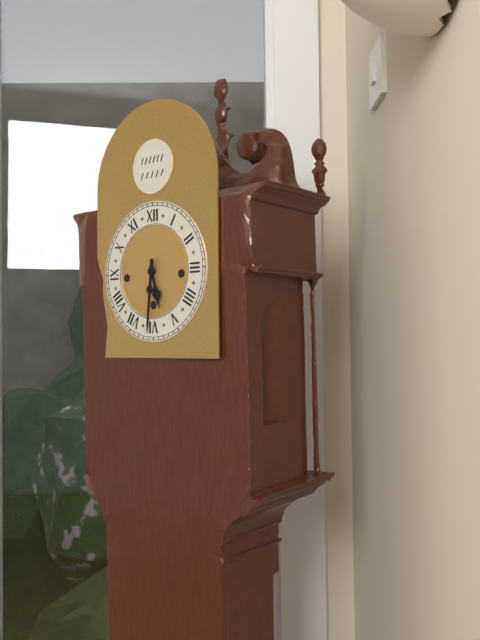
{"hour": 5, "minute": 31}
